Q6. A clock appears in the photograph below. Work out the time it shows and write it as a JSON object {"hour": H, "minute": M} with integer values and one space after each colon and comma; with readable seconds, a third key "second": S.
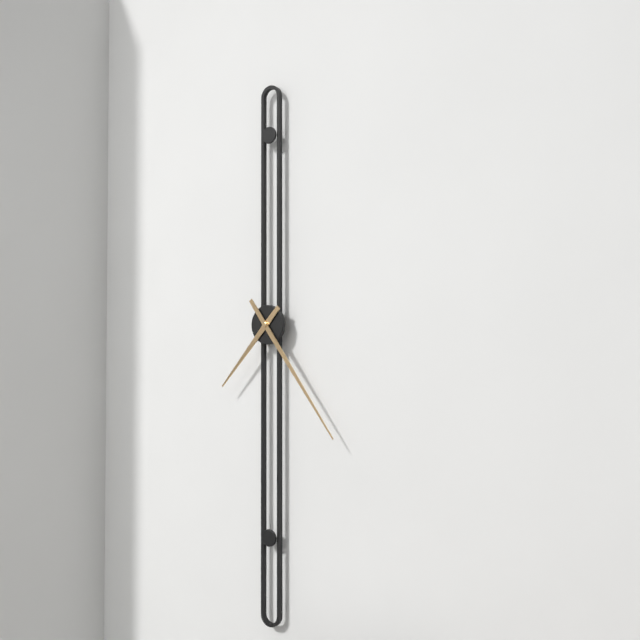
{"hour": 7, "minute": 24}
